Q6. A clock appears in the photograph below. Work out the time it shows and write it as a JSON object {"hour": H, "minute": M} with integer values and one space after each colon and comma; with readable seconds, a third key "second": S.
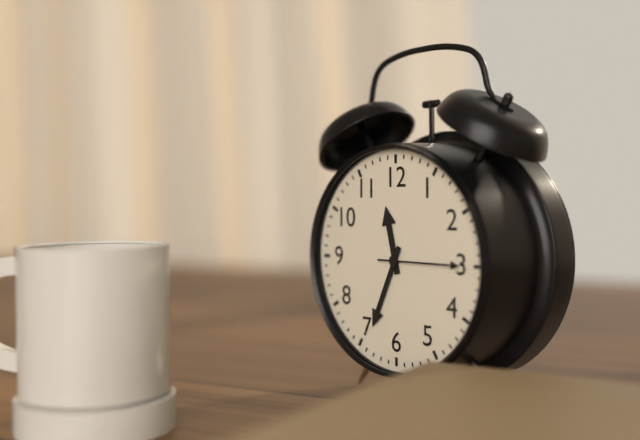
{"hour": 11, "minute": 34, "second": 15}
